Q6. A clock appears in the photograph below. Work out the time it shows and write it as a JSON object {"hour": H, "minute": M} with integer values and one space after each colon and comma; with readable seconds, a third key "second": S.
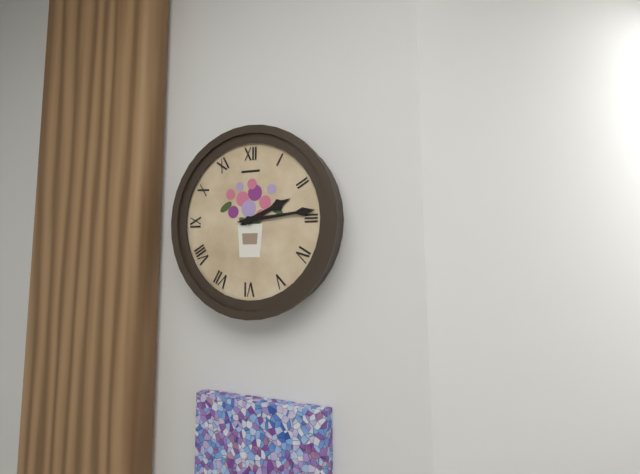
{"hour": 2, "minute": 14}
